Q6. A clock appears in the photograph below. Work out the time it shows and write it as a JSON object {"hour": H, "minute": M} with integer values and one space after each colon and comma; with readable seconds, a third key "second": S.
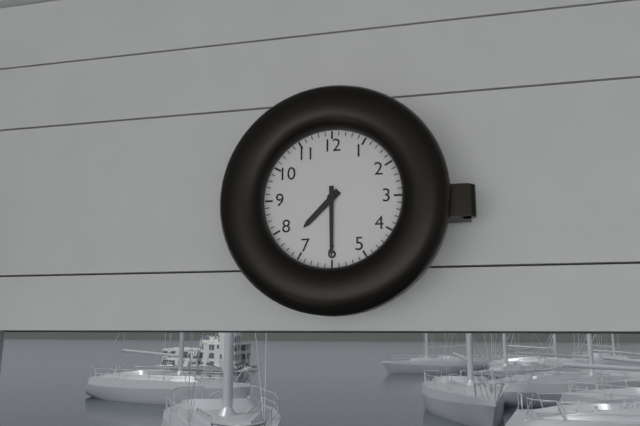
{"hour": 7, "minute": 30}
